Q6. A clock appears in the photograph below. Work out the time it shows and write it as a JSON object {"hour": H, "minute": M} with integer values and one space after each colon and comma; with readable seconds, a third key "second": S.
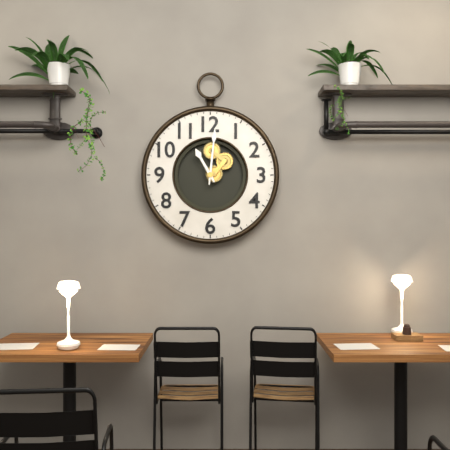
{"hour": 11, "minute": 1}
